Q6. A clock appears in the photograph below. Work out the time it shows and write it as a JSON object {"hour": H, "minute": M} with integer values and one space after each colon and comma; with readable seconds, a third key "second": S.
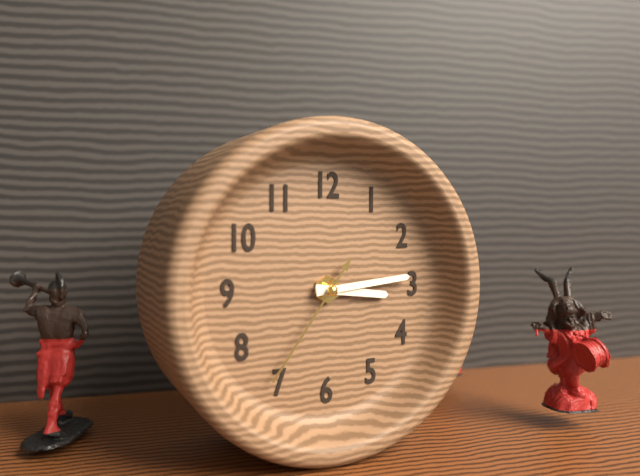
{"hour": 3, "minute": 14, "second": 36}
